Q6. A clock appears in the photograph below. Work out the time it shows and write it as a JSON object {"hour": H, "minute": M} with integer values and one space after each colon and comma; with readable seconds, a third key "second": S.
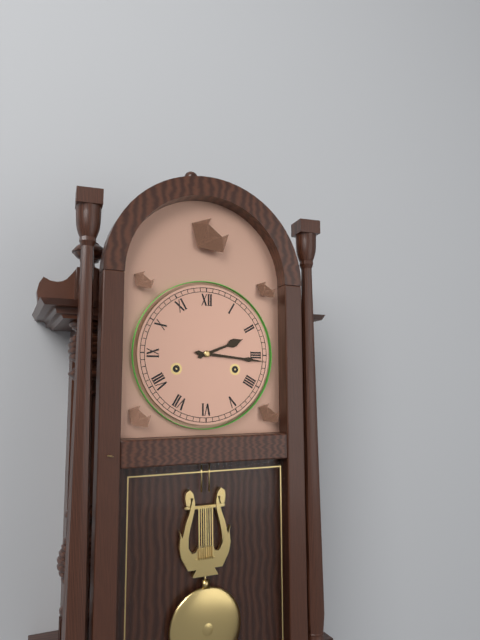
{"hour": 2, "minute": 16}
